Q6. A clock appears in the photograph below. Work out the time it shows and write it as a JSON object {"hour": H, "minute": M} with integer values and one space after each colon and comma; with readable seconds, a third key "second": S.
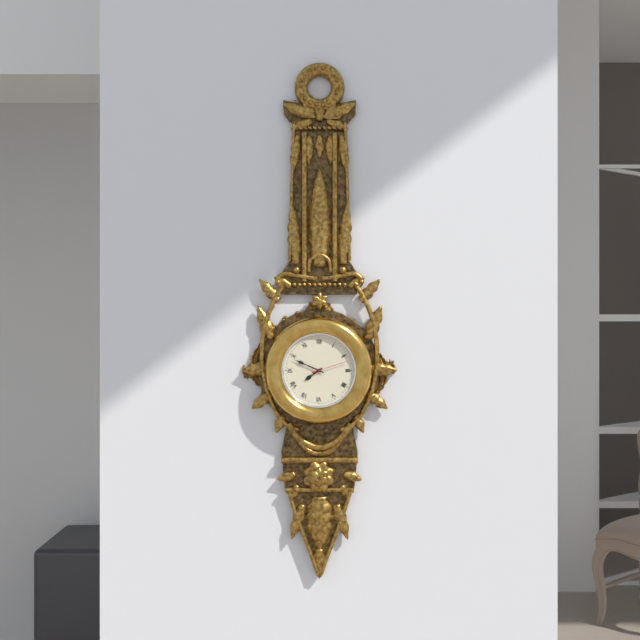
{"hour": 7, "minute": 49}
